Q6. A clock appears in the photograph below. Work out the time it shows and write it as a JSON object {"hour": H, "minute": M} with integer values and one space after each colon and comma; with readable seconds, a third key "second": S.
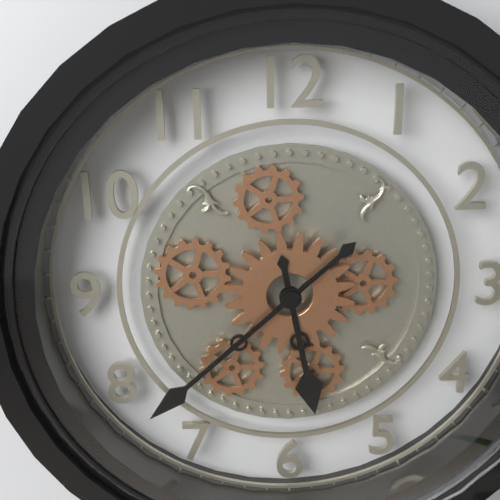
{"hour": 5, "minute": 38}
